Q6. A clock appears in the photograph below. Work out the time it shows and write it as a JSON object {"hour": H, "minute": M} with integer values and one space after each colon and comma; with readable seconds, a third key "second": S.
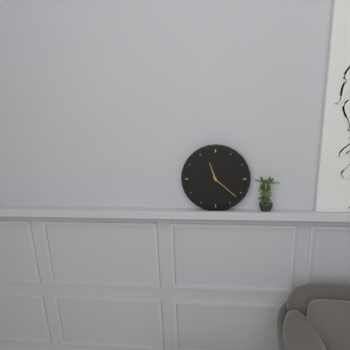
{"hour": 11, "minute": 22}
